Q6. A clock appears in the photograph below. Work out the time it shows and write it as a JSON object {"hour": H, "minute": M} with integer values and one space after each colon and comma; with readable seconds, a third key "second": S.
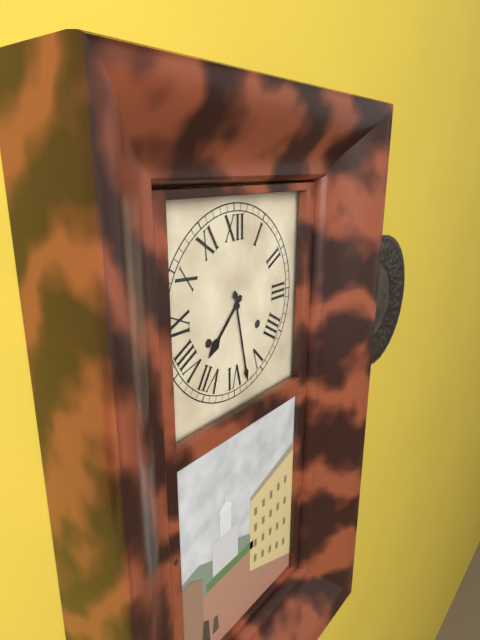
{"hour": 7, "minute": 28}
